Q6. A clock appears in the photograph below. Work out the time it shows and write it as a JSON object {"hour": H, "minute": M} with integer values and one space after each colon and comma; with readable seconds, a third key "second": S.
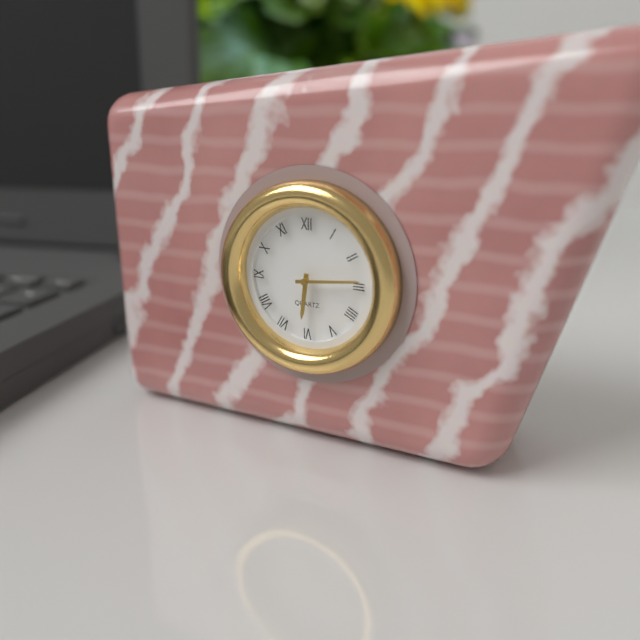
{"hour": 6, "minute": 14}
